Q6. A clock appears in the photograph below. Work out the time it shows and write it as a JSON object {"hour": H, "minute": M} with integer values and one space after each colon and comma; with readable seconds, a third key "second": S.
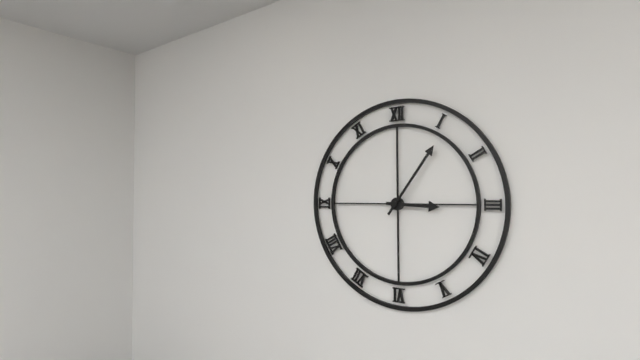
{"hour": 3, "minute": 6}
